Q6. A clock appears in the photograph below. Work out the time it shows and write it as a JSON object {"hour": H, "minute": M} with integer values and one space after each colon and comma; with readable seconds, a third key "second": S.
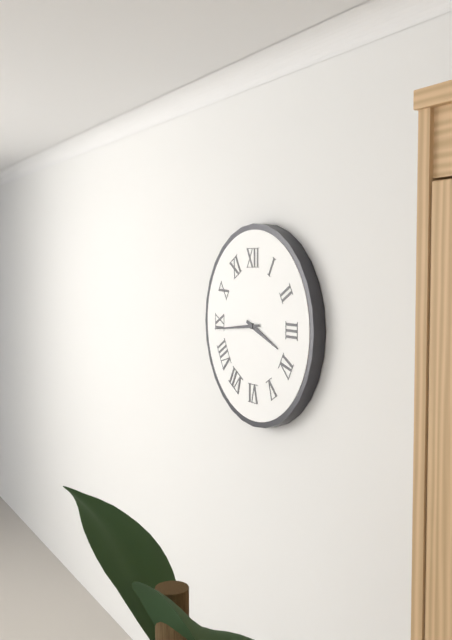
{"hour": 3, "minute": 44}
